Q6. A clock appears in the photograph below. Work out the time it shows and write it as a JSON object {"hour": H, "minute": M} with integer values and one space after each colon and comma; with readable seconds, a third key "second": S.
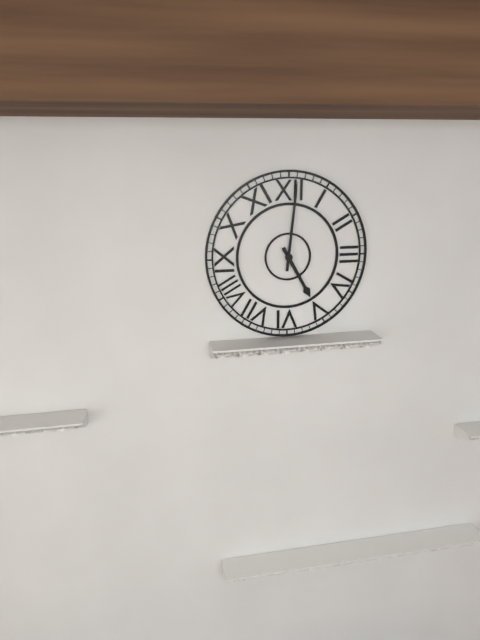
{"hour": 5, "minute": 1}
